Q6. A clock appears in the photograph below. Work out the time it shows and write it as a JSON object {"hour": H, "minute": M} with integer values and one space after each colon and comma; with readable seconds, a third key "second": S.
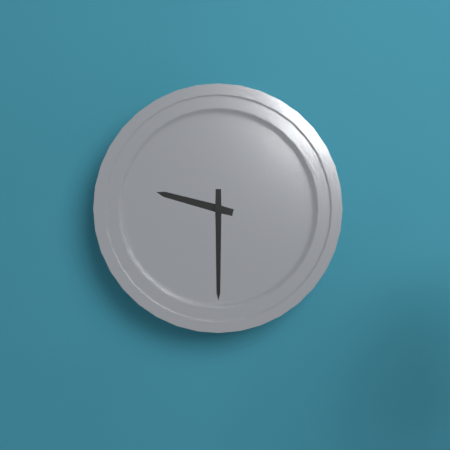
{"hour": 9, "minute": 30}
